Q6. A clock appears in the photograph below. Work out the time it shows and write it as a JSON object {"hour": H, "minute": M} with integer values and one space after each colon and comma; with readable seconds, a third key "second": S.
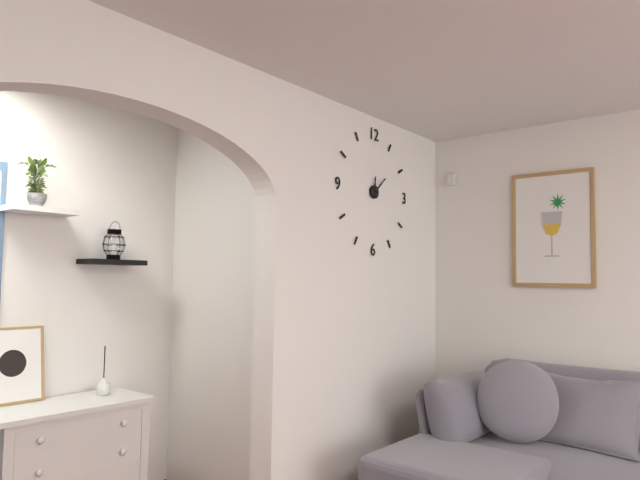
{"hour": 12, "minute": 8}
